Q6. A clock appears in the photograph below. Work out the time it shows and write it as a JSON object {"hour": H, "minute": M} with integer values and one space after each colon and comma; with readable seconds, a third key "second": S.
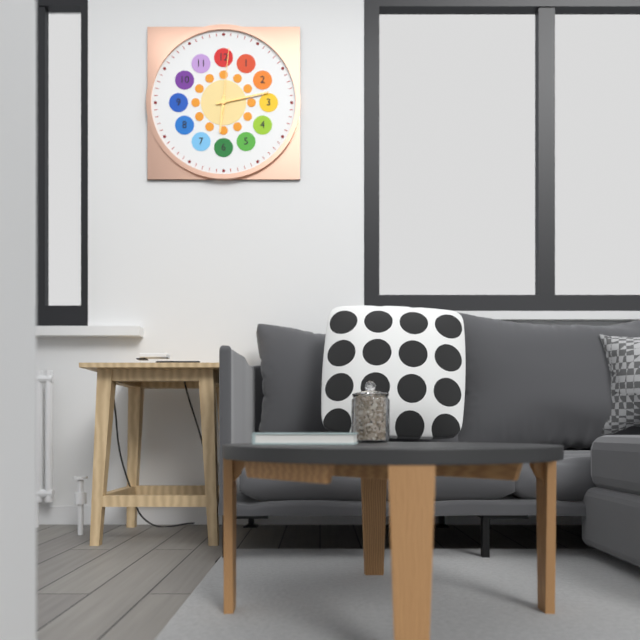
{"hour": 6, "minute": 13, "second": 1}
